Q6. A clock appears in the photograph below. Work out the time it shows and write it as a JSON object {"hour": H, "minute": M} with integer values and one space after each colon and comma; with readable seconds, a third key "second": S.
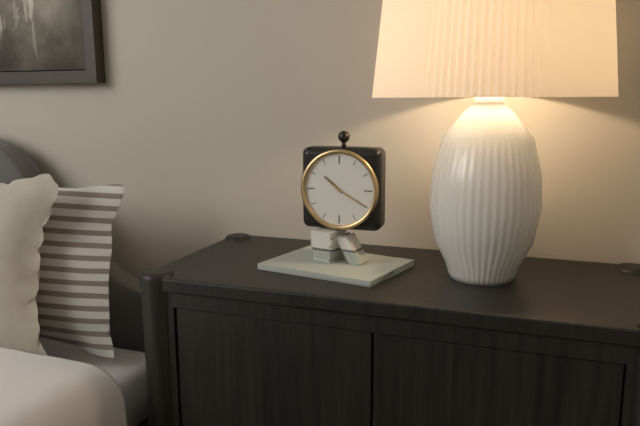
{"hour": 10, "minute": 20}
